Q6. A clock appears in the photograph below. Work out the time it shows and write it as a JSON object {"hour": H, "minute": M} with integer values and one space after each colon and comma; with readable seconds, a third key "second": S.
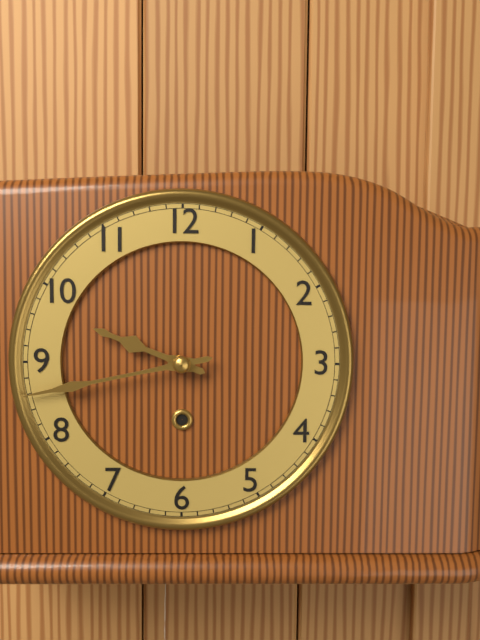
{"hour": 9, "minute": 43}
